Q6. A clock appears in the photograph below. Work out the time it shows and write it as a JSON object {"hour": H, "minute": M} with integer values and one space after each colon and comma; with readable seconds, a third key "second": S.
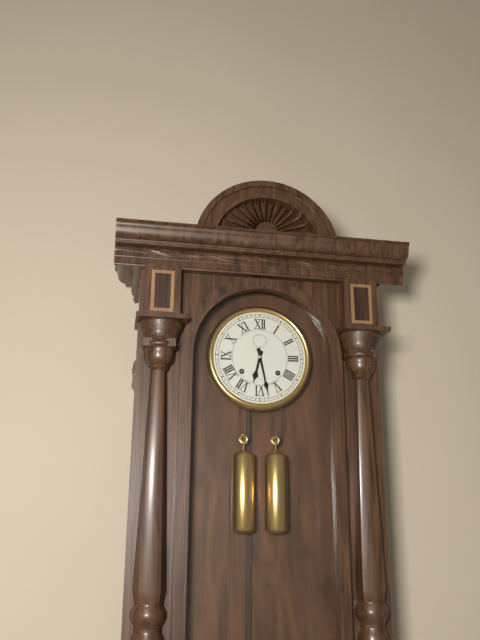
{"hour": 6, "minute": 28}
